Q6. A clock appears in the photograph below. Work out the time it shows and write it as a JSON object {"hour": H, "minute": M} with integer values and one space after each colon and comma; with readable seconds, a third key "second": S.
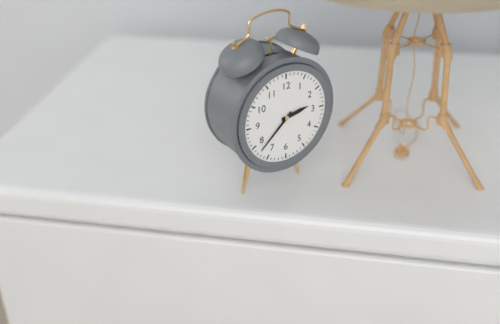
{"hour": 2, "minute": 38}
